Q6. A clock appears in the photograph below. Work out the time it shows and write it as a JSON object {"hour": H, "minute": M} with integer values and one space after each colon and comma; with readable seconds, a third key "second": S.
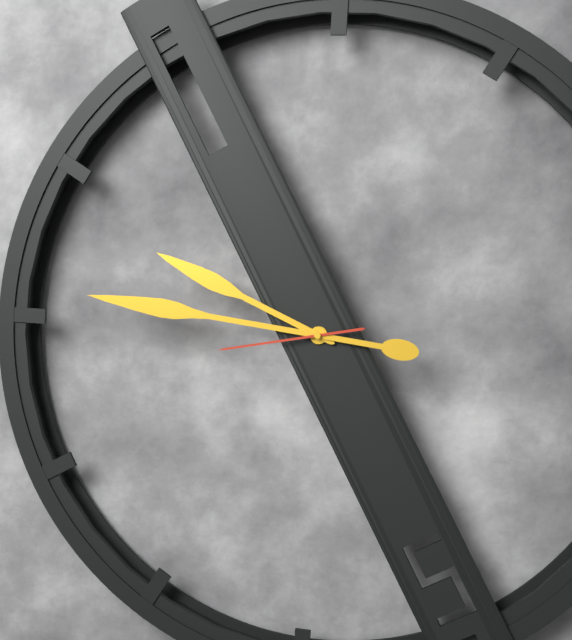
{"hour": 9, "minute": 46, "second": 43}
